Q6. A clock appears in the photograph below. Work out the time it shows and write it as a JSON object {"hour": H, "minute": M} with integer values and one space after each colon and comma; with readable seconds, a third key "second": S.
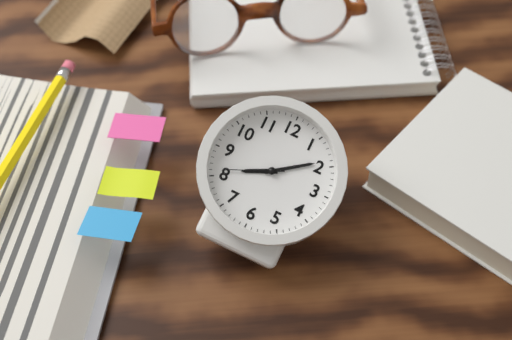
{"hour": 8, "minute": 9, "second": 41}
